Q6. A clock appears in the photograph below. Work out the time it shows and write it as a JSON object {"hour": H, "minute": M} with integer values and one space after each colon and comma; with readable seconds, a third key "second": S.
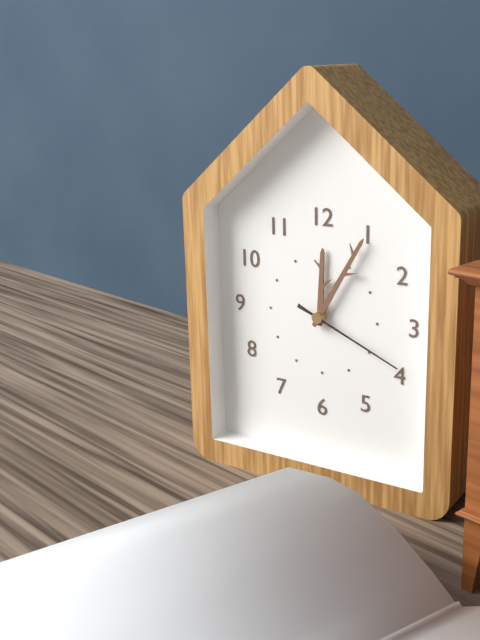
{"hour": 12, "minute": 5, "second": 19}
